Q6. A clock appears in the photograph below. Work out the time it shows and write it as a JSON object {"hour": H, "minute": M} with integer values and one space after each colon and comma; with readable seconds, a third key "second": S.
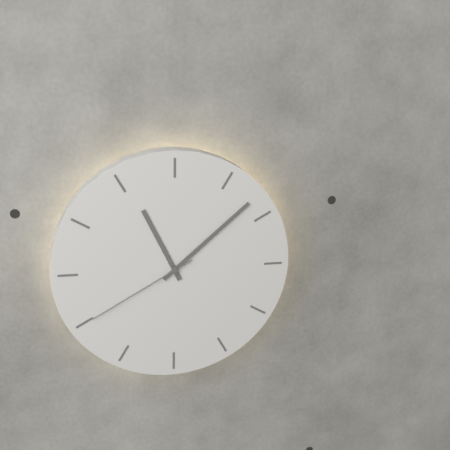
{"hour": 11, "minute": 8, "second": 40}
